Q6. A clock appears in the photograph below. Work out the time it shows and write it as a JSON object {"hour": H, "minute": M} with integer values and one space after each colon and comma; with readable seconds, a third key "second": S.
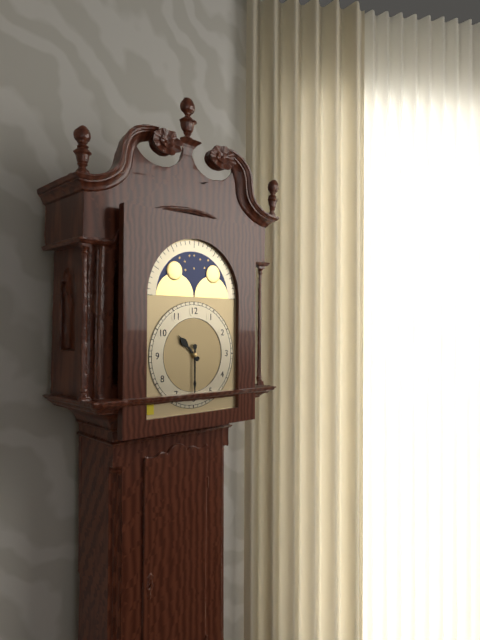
{"hour": 10, "minute": 30}
